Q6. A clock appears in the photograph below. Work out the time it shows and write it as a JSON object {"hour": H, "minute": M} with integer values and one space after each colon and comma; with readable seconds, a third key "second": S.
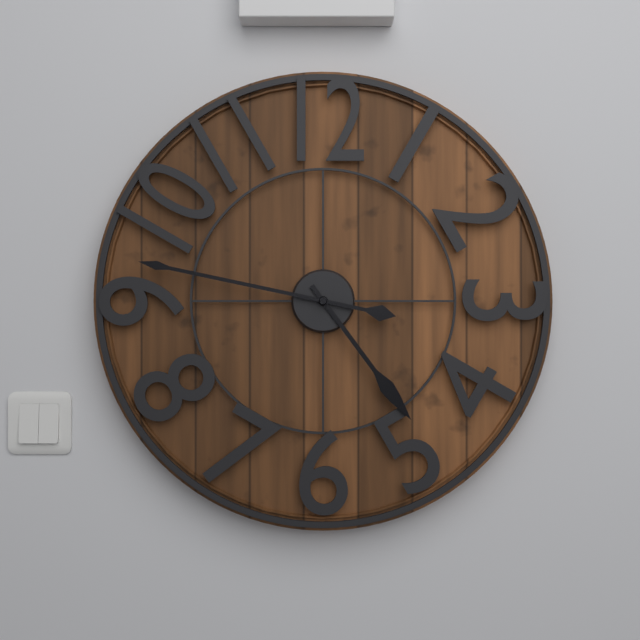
{"hour": 4, "minute": 47}
